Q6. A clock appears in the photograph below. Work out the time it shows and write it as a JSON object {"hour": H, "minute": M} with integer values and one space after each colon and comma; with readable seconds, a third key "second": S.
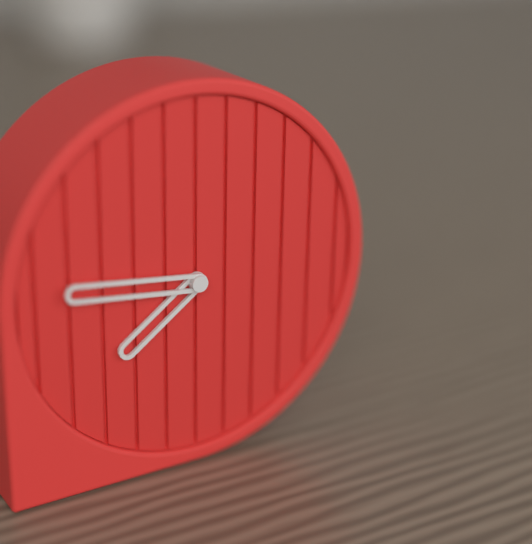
{"hour": 7, "minute": 46}
